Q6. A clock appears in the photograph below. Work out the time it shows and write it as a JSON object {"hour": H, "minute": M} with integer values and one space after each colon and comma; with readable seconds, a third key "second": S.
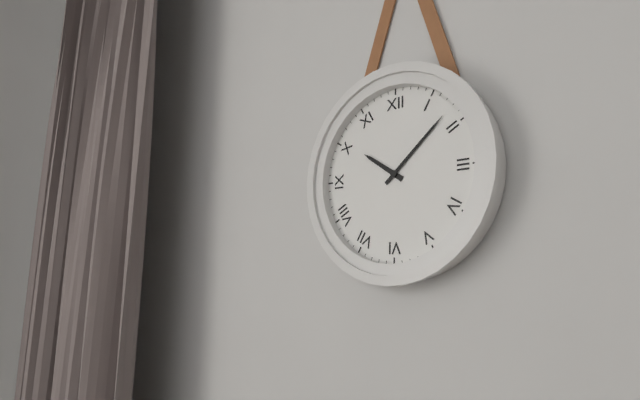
{"hour": 10, "minute": 8}
